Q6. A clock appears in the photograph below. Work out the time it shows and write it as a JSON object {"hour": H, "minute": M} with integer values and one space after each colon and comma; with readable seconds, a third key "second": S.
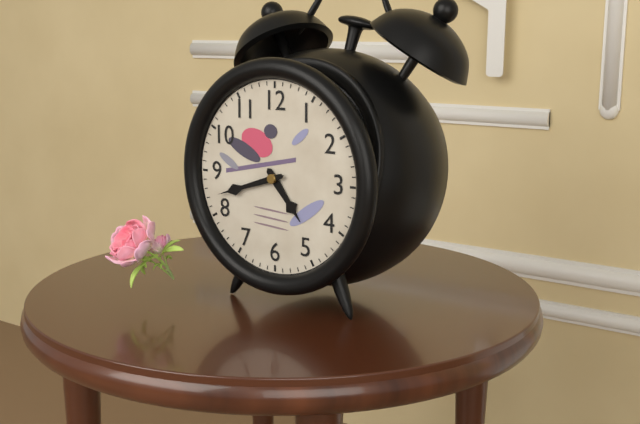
{"hour": 4, "minute": 42}
